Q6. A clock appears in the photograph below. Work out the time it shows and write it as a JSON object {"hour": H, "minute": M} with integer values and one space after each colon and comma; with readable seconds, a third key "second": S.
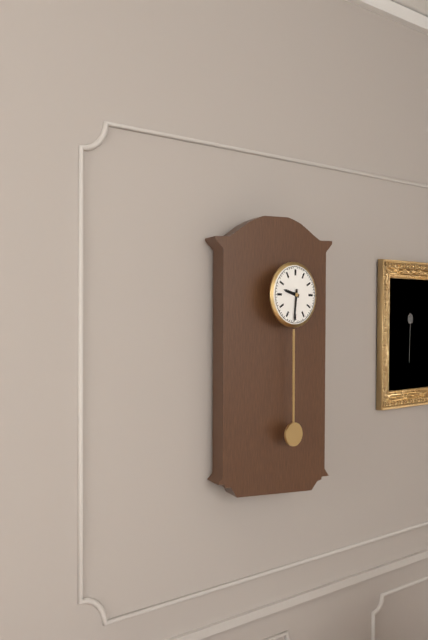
{"hour": 9, "minute": 31}
